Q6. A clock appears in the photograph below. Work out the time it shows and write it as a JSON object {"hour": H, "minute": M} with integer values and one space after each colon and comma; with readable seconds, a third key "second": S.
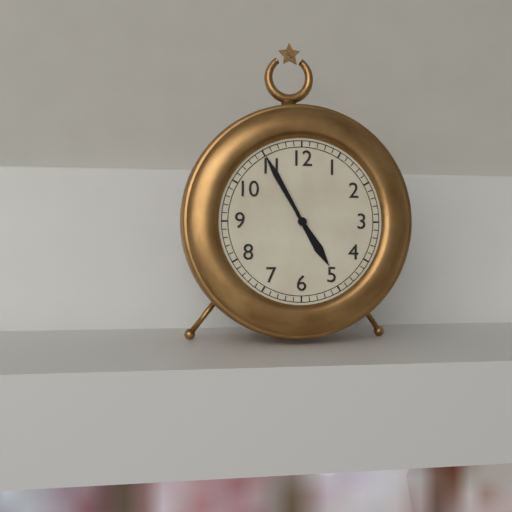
{"hour": 4, "minute": 55}
